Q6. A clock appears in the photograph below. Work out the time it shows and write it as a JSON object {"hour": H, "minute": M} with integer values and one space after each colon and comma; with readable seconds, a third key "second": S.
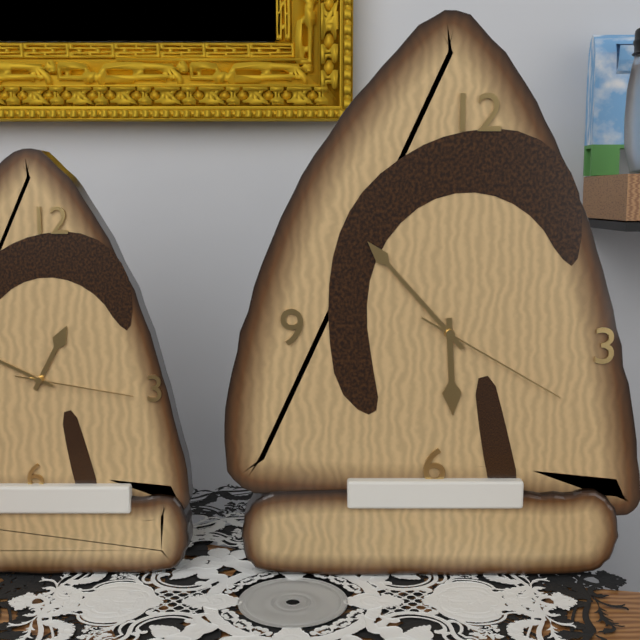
{"hour": 5, "minute": 53, "second": 20}
